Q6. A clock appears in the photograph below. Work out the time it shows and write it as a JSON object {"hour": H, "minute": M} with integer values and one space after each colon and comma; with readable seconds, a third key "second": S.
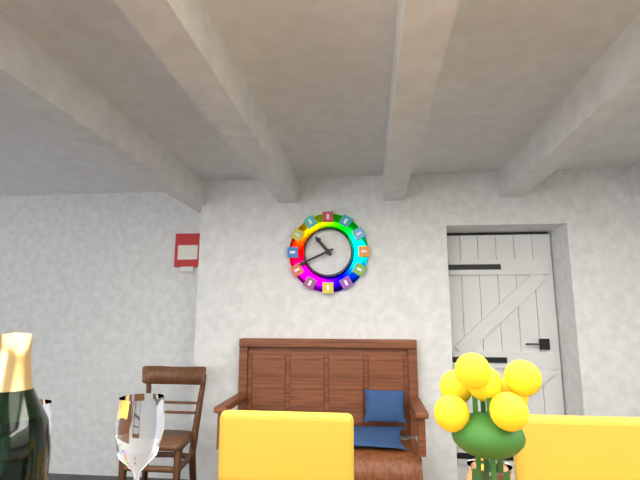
{"hour": 10, "minute": 41}
